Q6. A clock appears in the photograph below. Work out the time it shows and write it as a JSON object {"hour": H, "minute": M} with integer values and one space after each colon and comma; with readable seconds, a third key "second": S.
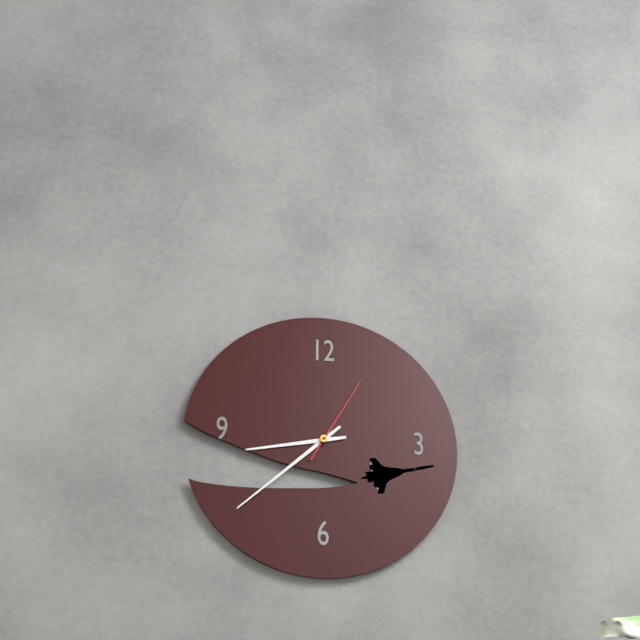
{"hour": 8, "minute": 38, "second": 5}
